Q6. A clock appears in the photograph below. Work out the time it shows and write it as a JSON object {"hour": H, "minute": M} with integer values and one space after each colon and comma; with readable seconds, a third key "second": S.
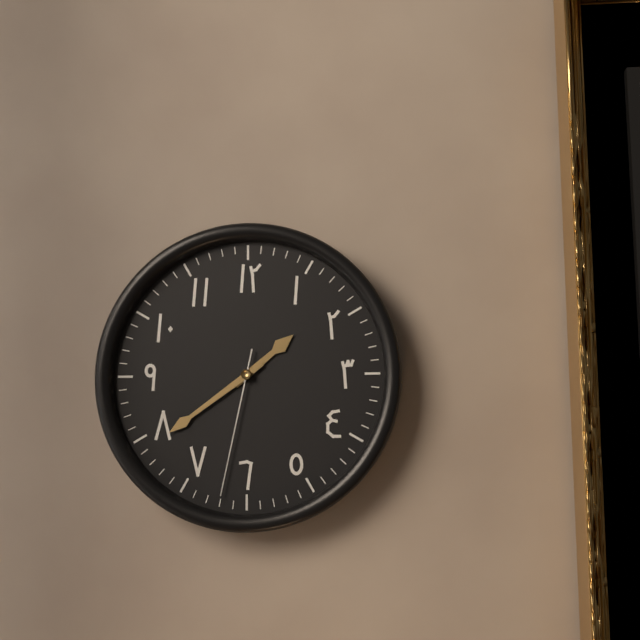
{"hour": 1, "minute": 39, "second": 32}
